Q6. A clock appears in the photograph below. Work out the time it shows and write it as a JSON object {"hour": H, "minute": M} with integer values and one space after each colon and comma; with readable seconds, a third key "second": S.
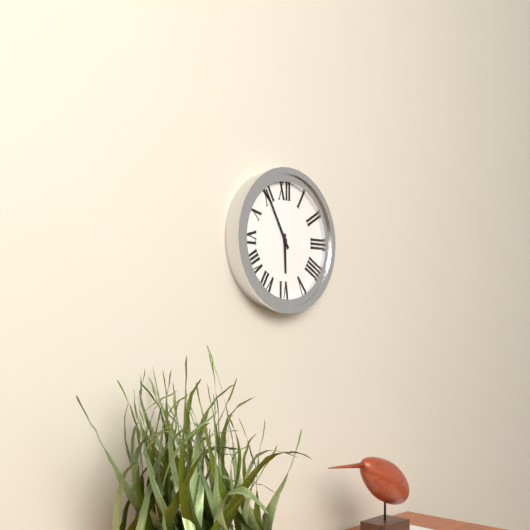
{"hour": 5, "minute": 55}
